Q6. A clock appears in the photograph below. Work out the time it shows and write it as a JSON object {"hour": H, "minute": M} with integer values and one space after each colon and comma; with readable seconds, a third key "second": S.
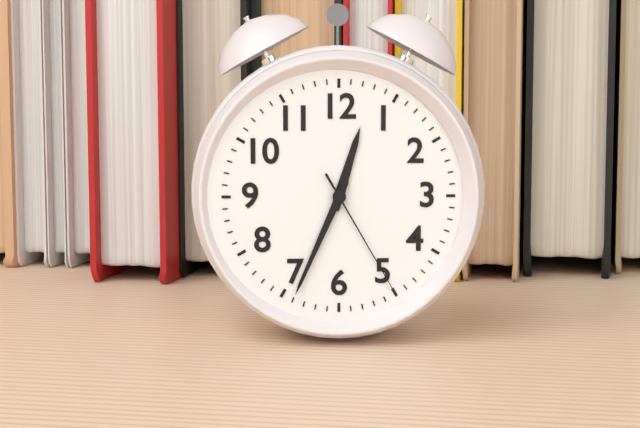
{"hour": 12, "minute": 34, "second": 25}
